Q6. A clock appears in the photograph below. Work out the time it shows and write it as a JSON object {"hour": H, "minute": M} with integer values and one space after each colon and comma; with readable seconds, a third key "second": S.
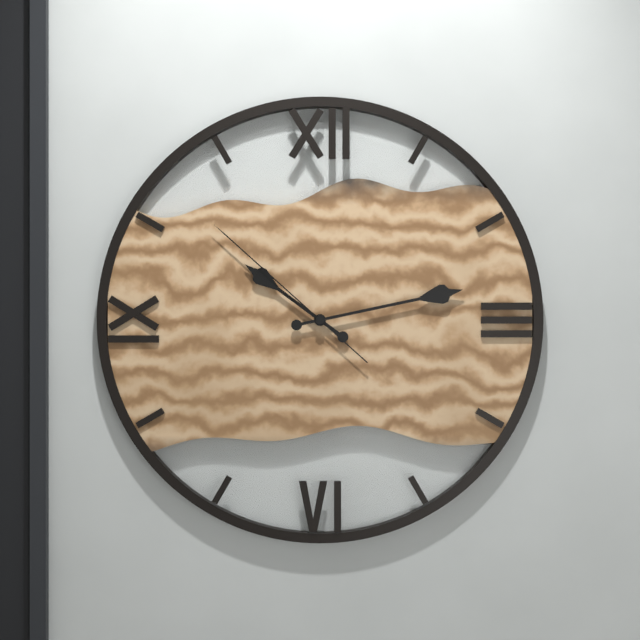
{"hour": 10, "minute": 13, "second": 52}
